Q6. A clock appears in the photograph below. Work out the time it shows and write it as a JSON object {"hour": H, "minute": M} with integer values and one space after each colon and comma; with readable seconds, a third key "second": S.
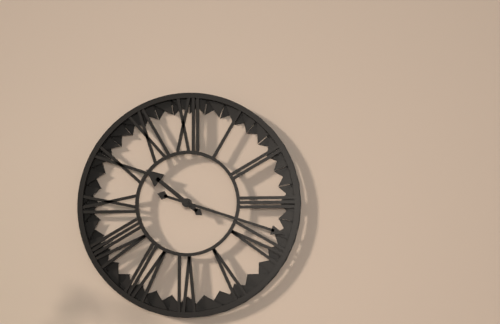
{"hour": 10, "minute": 18}
